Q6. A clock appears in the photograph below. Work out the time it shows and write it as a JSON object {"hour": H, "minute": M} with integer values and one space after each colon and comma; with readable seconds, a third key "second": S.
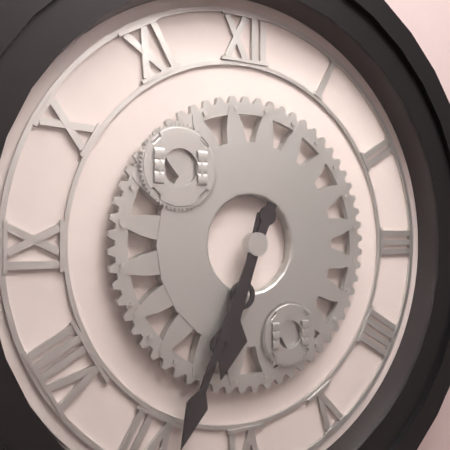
{"hour": 6, "minute": 34}
